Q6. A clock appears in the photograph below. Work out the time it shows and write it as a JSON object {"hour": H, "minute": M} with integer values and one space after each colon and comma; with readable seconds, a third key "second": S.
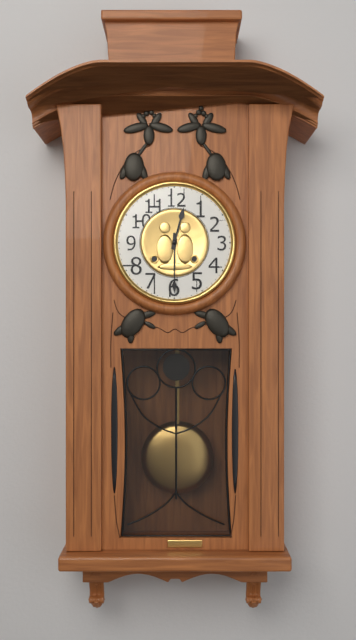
{"hour": 12, "minute": 30}
